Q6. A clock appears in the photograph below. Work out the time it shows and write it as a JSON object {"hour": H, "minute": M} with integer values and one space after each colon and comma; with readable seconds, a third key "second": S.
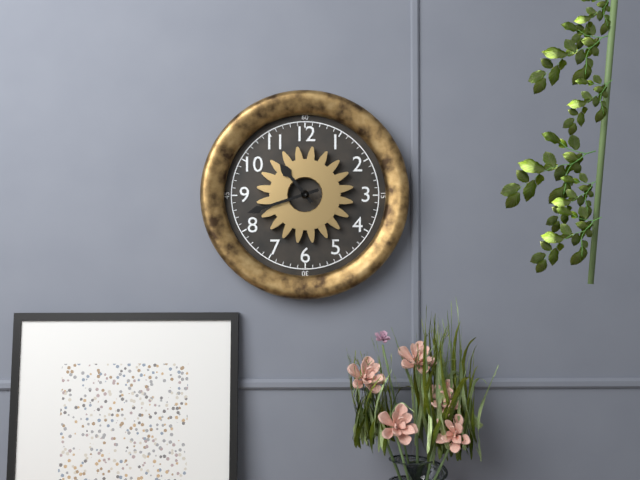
{"hour": 10, "minute": 42}
